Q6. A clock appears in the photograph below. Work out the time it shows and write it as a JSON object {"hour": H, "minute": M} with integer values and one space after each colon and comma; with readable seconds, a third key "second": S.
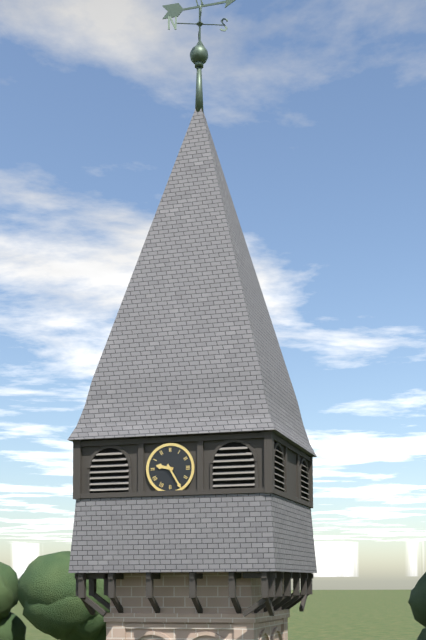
{"hour": 9, "minute": 25}
